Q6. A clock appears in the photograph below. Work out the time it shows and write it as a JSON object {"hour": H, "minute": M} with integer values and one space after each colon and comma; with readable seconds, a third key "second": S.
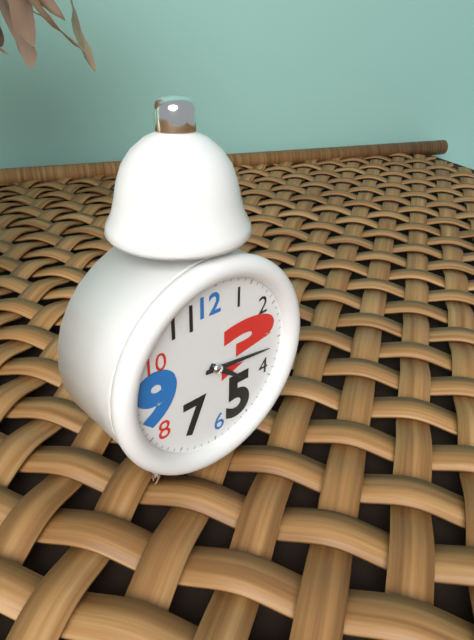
{"hour": 4, "minute": 16}
